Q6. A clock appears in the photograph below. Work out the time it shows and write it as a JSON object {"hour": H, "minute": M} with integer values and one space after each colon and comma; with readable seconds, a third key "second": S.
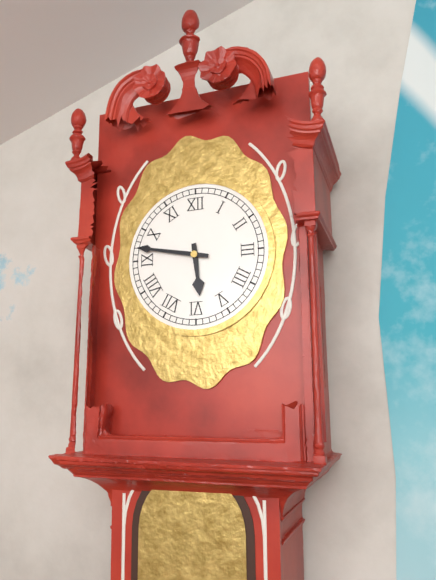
{"hour": 5, "minute": 47}
